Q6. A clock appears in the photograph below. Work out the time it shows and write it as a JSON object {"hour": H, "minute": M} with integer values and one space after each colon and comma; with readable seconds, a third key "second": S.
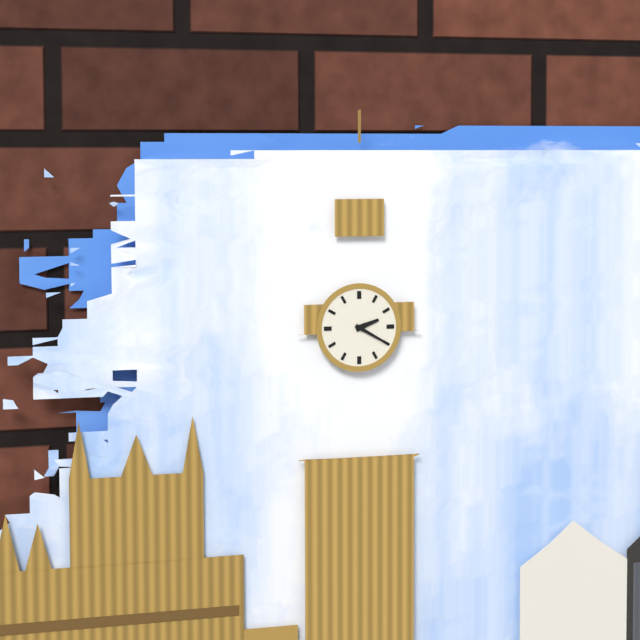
{"hour": 2, "minute": 20}
